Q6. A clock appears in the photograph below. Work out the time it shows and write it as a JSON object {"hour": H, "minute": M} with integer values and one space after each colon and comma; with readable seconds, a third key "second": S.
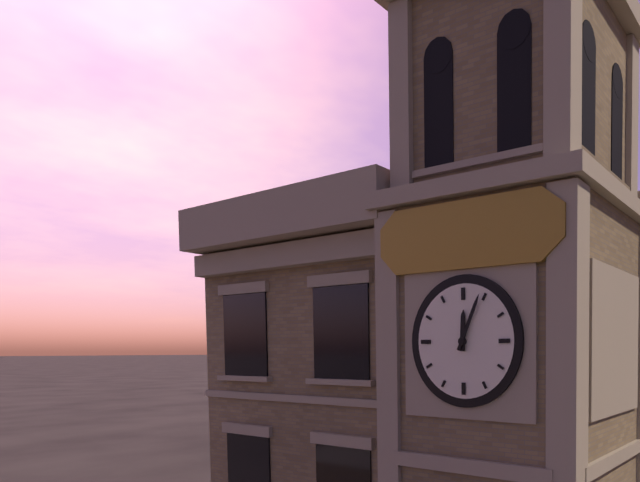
{"hour": 12, "minute": 4}
